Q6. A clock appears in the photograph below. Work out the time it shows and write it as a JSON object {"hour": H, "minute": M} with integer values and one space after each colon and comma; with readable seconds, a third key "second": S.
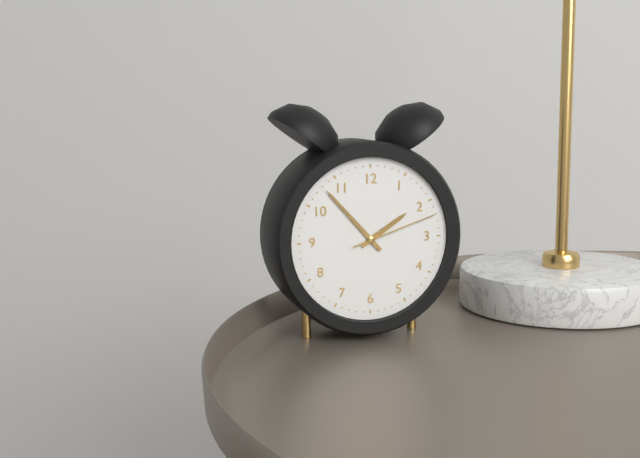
{"hour": 1, "minute": 53, "second": 12}
